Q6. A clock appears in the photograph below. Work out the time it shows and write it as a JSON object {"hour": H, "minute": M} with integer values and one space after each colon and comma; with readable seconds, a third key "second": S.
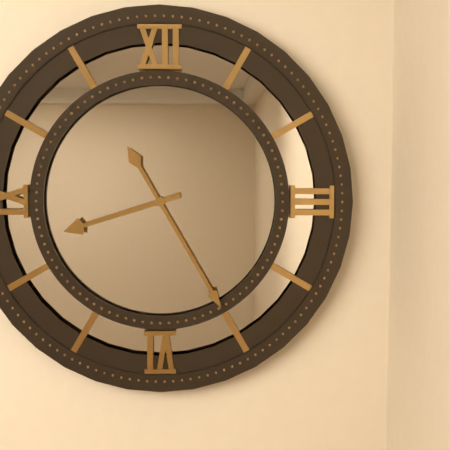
{"hour": 8, "minute": 25}
